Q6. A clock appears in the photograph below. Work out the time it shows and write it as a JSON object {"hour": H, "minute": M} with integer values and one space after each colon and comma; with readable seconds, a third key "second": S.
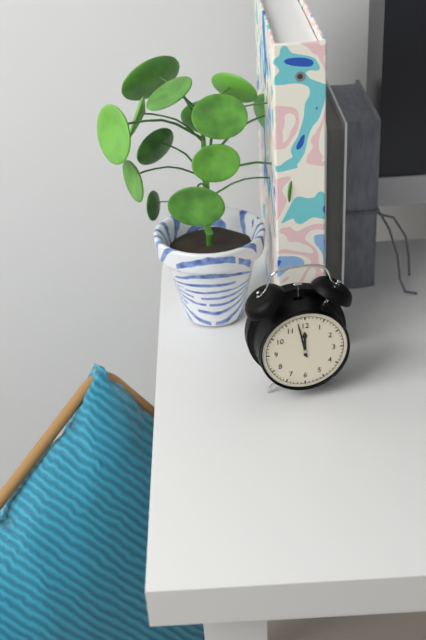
{"hour": 11, "minute": 58}
